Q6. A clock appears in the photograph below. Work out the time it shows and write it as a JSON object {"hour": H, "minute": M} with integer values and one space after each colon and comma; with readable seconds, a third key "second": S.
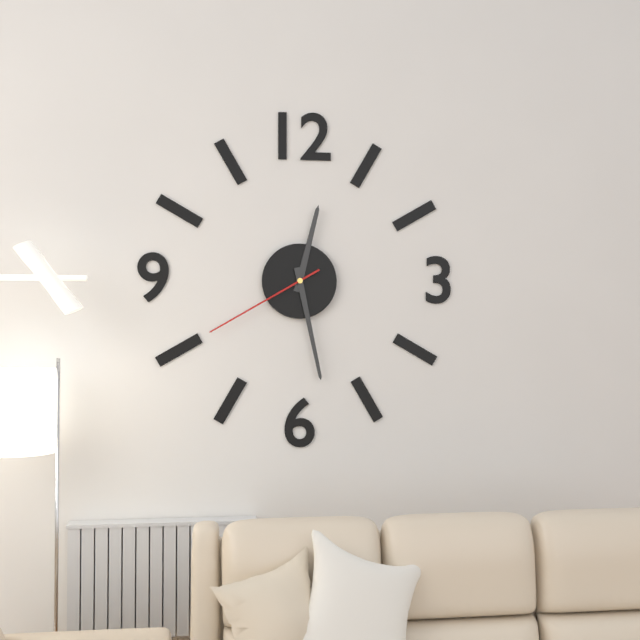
{"hour": 12, "minute": 28, "second": 40}
